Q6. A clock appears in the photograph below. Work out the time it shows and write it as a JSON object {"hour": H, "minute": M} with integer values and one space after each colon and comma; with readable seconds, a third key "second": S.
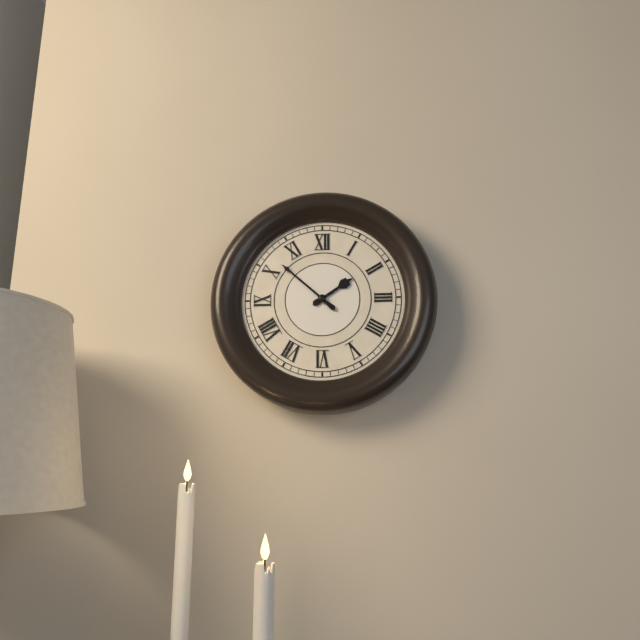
{"hour": 1, "minute": 52}
